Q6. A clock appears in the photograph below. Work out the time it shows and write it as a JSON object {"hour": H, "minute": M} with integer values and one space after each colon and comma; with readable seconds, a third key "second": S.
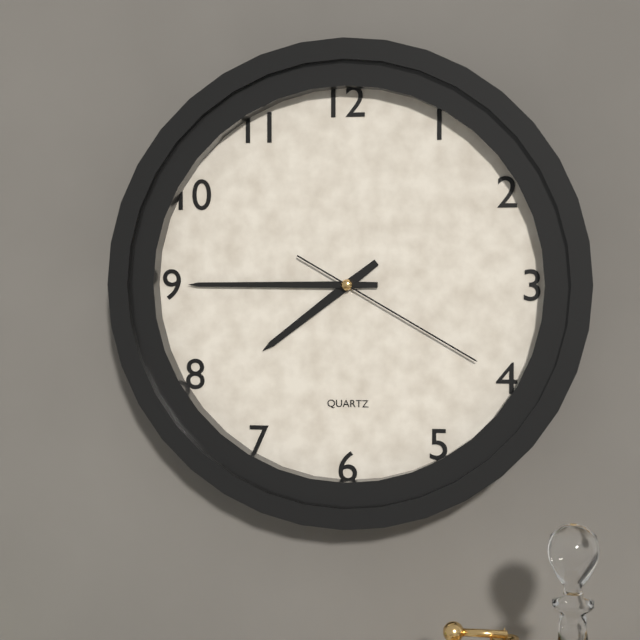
{"hour": 7, "minute": 45, "second": 20}
